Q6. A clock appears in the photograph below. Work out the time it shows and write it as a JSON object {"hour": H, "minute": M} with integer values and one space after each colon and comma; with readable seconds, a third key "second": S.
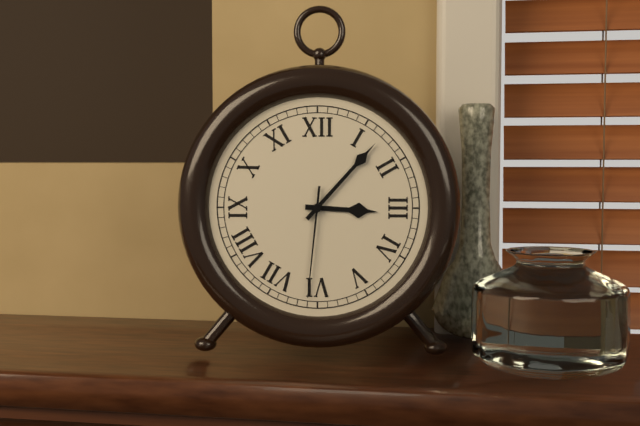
{"hour": 3, "minute": 7, "second": 31}
